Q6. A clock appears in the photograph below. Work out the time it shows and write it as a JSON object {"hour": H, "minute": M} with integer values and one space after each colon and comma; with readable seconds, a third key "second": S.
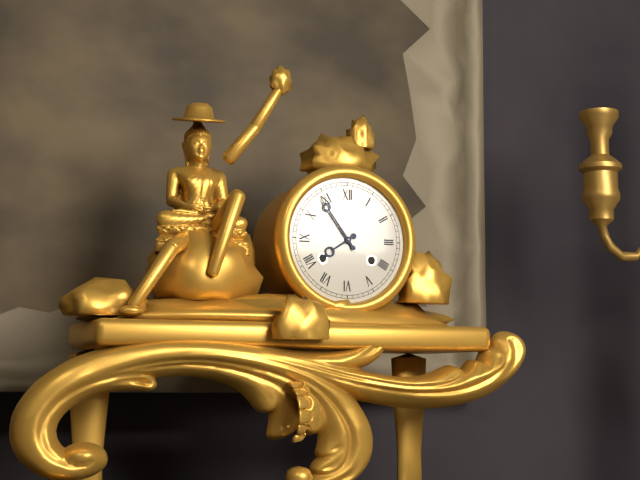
{"hour": 7, "minute": 54}
